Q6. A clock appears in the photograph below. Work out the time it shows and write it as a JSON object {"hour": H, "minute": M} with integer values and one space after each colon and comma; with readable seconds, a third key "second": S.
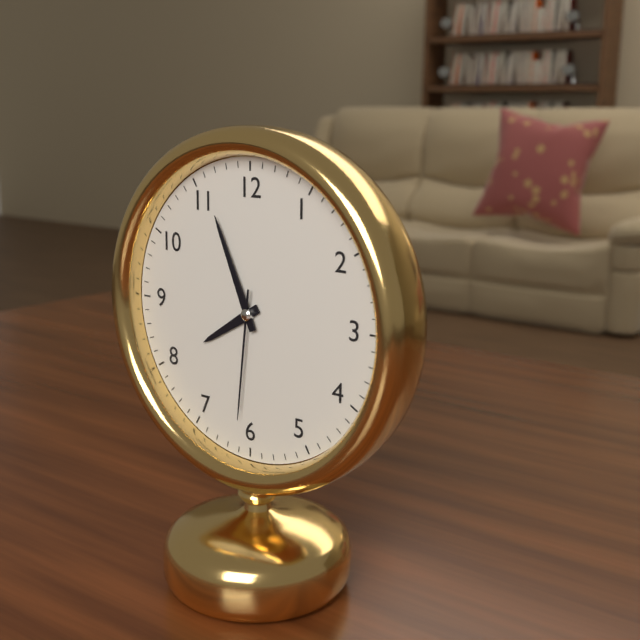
{"hour": 7, "minute": 56, "second": 31}
